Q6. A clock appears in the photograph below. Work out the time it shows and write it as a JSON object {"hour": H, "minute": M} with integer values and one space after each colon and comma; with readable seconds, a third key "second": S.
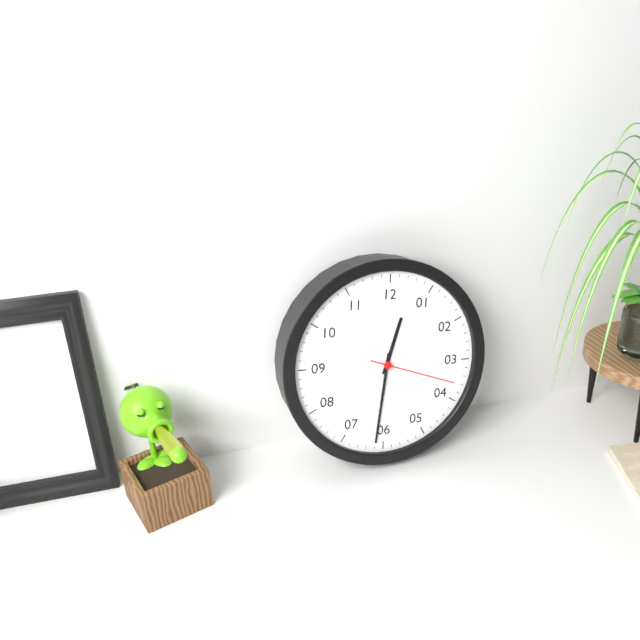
{"hour": 12, "minute": 31, "second": 18}
